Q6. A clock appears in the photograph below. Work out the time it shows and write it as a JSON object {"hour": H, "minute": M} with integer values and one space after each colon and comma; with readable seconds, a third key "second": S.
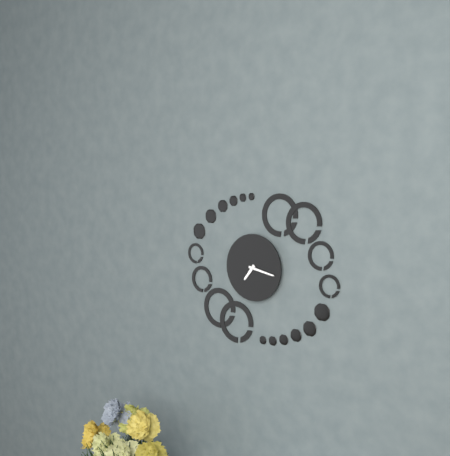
{"hour": 7, "minute": 17}
